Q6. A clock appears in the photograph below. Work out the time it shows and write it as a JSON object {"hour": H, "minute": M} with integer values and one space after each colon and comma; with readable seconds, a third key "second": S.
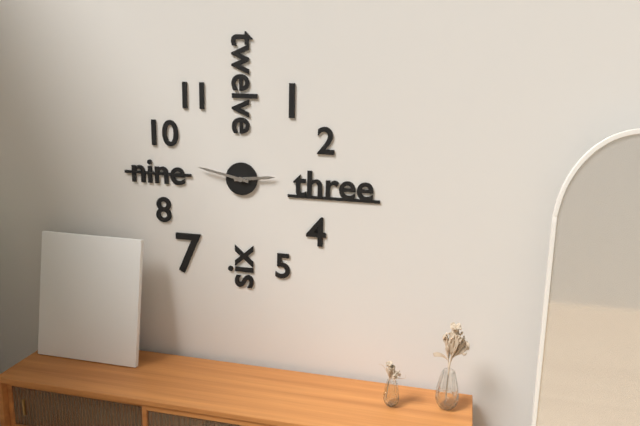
{"hour": 2, "minute": 47}
